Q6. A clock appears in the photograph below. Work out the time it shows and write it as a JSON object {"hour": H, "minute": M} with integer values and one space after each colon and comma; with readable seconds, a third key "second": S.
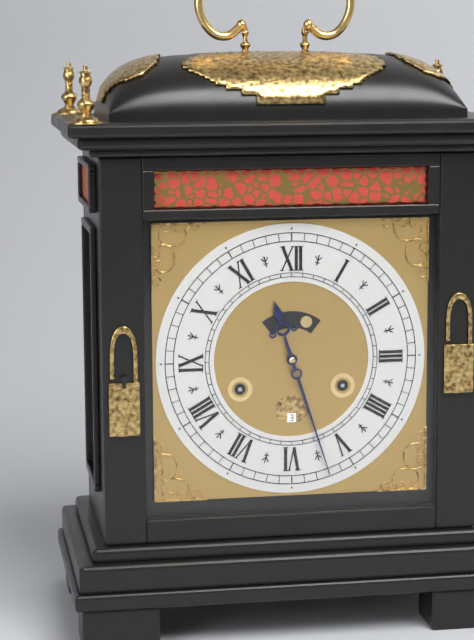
{"hour": 11, "minute": 27}
